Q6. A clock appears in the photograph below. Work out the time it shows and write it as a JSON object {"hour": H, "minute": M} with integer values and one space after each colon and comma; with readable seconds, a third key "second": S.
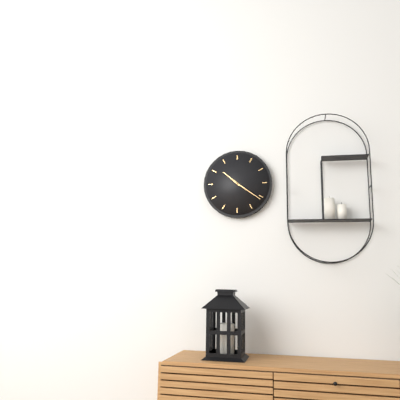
{"hour": 10, "minute": 21}
